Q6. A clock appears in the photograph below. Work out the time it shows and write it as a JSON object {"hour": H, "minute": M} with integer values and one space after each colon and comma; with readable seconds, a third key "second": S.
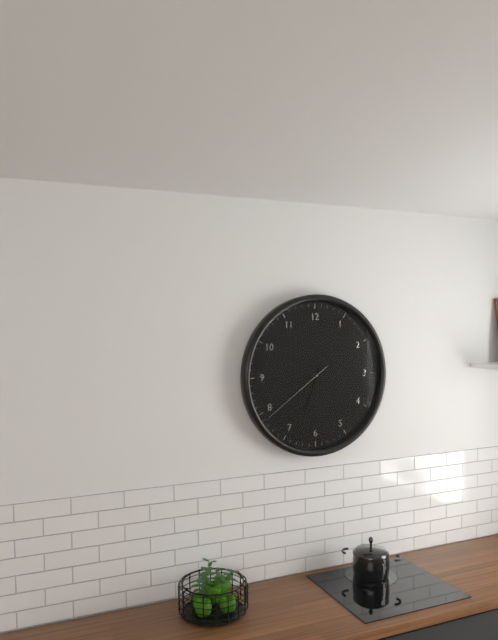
{"hour": 6, "minute": 39, "second": 39}
